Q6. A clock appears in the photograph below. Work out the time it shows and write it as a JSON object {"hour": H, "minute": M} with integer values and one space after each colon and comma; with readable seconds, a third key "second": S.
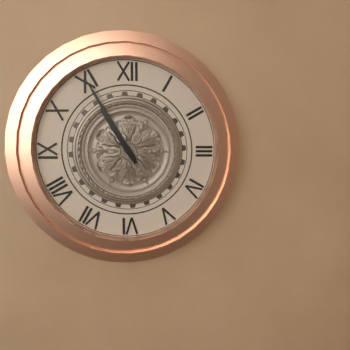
{"hour": 10, "minute": 55}
